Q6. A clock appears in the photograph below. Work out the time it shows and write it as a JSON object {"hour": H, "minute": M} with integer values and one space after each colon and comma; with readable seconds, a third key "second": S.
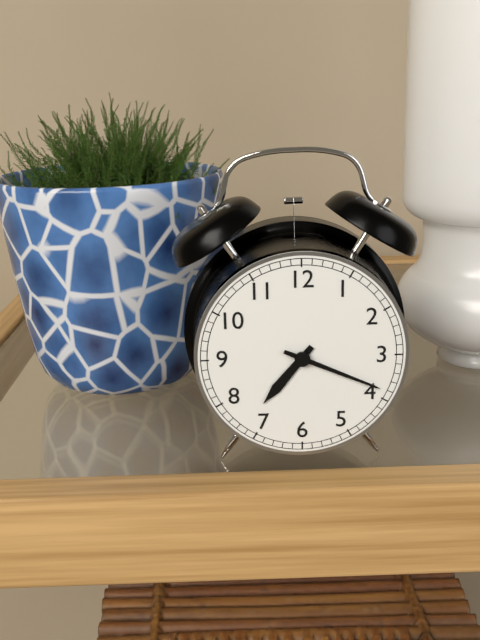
{"hour": 7, "minute": 19}
